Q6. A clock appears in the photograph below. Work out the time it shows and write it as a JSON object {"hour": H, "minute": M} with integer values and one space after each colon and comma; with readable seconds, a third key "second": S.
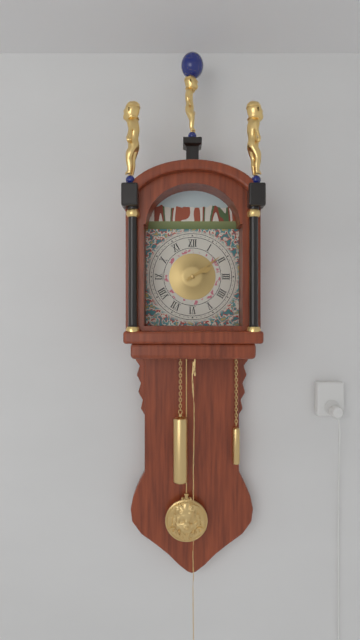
{"hour": 2, "minute": 9}
